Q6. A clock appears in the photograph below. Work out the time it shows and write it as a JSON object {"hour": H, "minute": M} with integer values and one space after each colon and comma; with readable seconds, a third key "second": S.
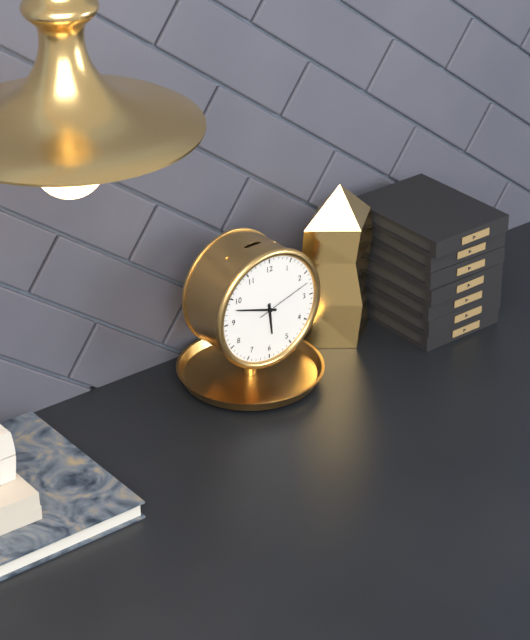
{"hour": 5, "minute": 48, "second": 12}
